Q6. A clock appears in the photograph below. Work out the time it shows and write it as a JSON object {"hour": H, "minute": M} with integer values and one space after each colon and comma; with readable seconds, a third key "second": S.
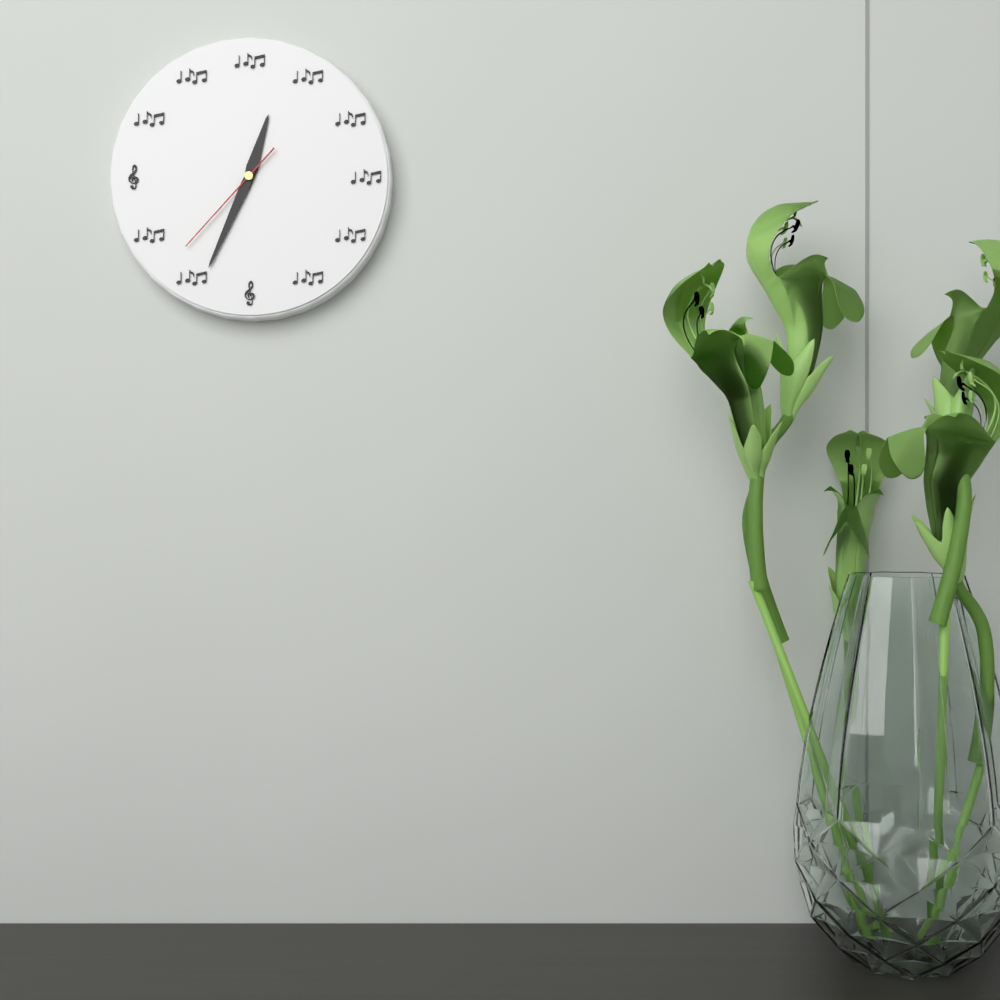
{"hour": 12, "minute": 34, "second": 37}
